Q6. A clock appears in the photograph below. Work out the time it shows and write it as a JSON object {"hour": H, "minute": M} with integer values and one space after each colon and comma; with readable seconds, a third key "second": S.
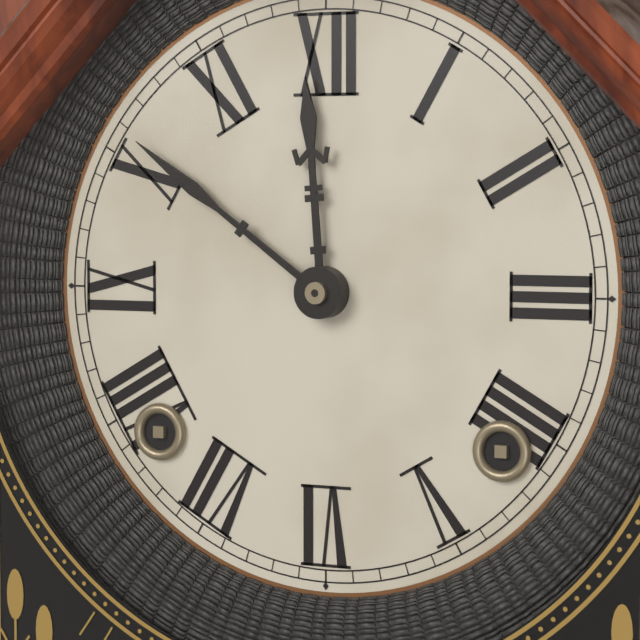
{"hour": 11, "minute": 51}
